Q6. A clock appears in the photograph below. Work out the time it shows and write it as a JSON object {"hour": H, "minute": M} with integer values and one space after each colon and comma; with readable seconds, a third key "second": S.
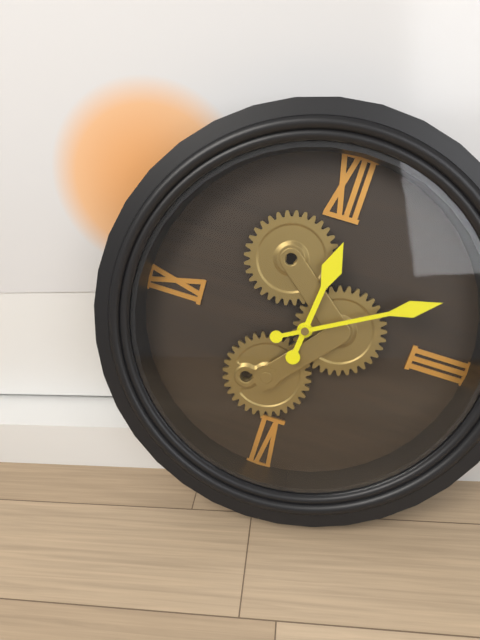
{"hour": 12, "minute": 10}
